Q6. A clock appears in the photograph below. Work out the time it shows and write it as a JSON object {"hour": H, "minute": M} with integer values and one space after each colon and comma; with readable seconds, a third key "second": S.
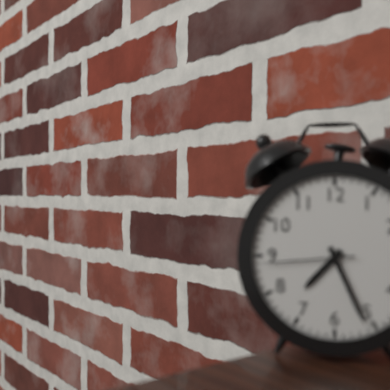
{"hour": 7, "minute": 26, "second": 44}
